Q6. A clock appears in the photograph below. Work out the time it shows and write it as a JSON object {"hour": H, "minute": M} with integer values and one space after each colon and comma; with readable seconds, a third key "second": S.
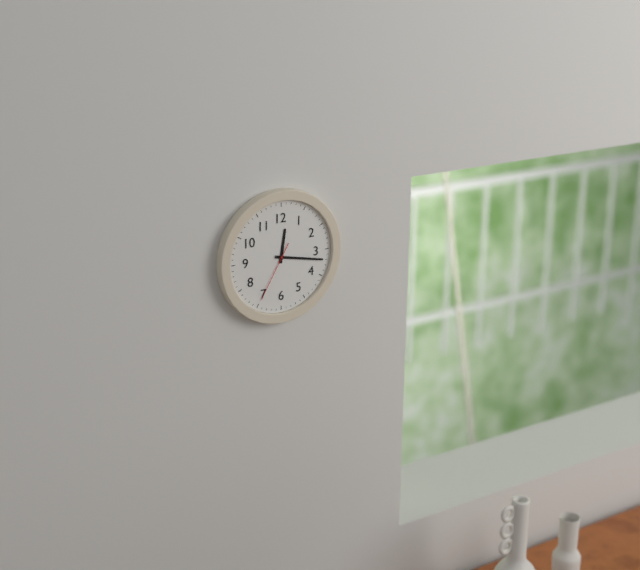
{"hour": 12, "minute": 17, "second": 35}
